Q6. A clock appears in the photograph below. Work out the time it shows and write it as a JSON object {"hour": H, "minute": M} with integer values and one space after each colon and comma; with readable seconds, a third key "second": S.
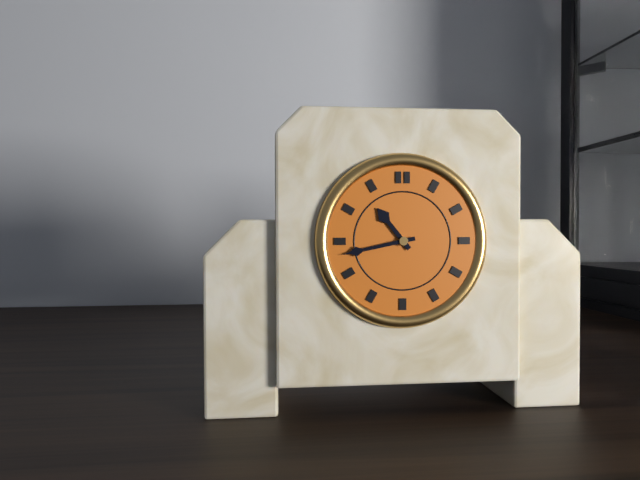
{"hour": 10, "minute": 43}
